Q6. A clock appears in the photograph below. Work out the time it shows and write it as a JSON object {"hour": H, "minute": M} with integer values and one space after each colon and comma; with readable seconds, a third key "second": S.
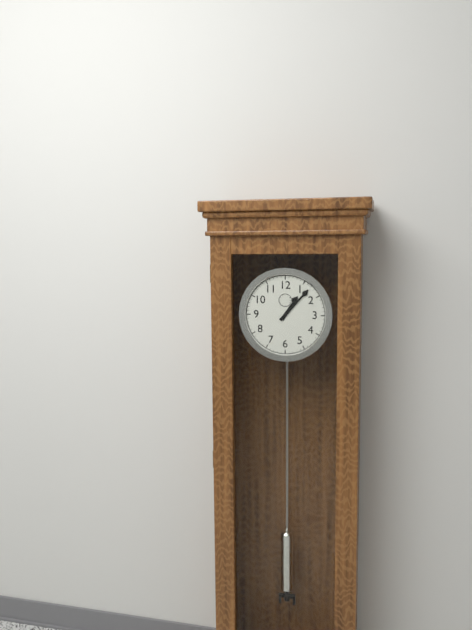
{"hour": 1, "minute": 7}
